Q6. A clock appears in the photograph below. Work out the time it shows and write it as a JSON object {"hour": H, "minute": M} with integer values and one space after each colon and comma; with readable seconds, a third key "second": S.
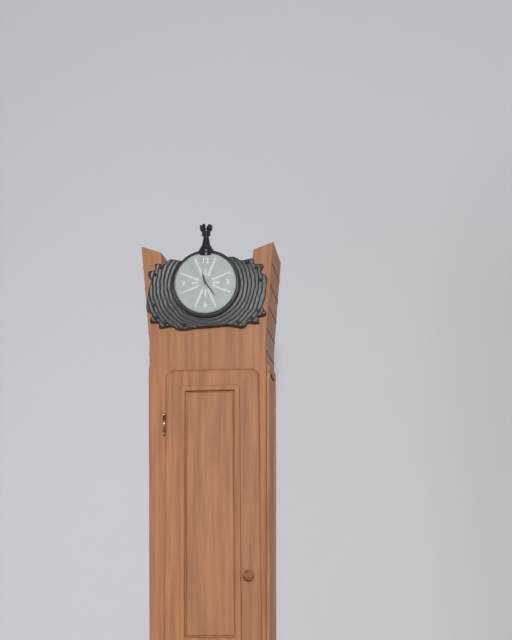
{"hour": 11, "minute": 24}
